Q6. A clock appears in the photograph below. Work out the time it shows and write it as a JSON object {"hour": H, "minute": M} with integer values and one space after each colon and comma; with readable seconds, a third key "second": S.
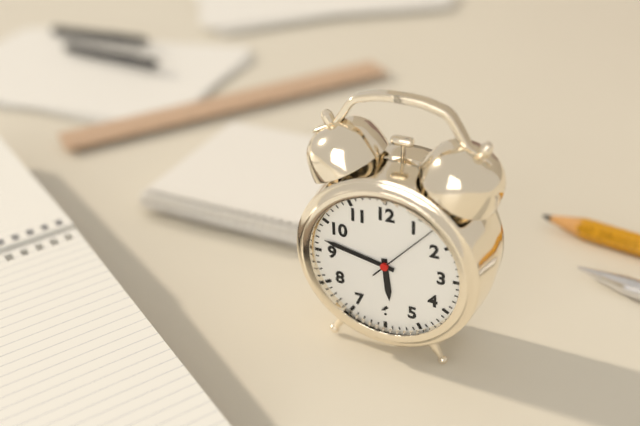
{"hour": 5, "minute": 47, "second": 7}
